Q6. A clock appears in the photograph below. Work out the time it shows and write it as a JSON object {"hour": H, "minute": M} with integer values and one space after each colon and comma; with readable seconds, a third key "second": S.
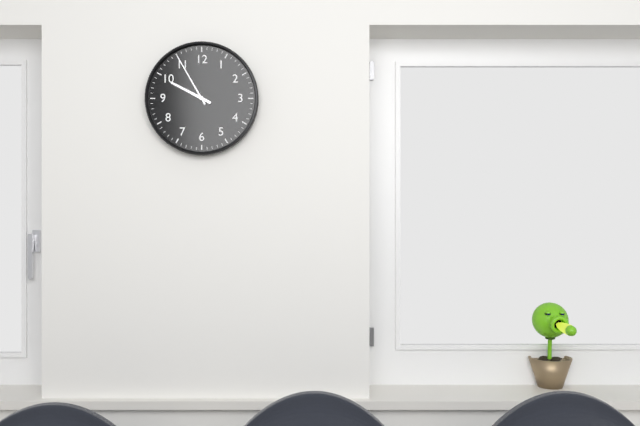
{"hour": 9, "minute": 55}
